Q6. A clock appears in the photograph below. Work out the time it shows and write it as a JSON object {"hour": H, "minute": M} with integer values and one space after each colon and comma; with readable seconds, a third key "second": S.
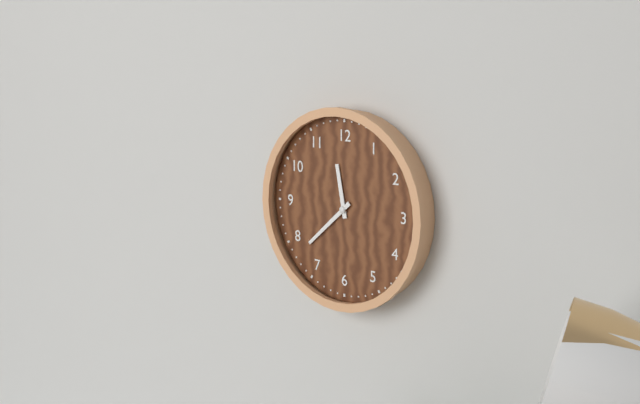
{"hour": 11, "minute": 38}
